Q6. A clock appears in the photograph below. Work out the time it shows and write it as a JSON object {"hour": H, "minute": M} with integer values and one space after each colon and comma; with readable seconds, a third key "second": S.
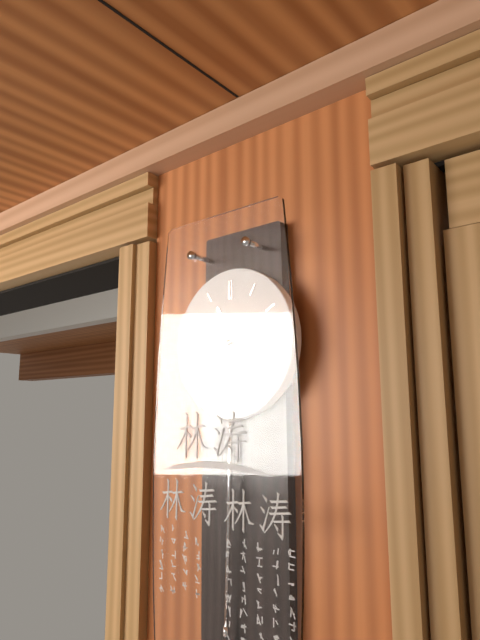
{"hour": 11, "minute": 12}
